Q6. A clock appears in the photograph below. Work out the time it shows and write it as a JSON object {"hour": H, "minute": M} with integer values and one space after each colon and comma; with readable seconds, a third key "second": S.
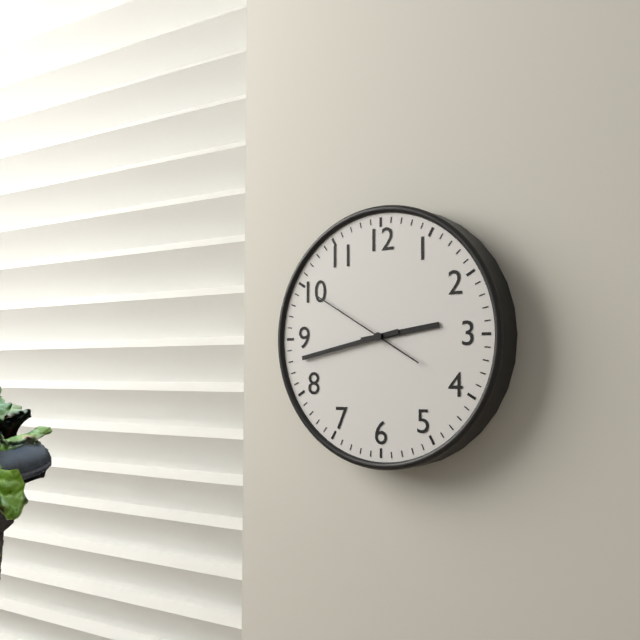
{"hour": 2, "minute": 43, "second": 50}
